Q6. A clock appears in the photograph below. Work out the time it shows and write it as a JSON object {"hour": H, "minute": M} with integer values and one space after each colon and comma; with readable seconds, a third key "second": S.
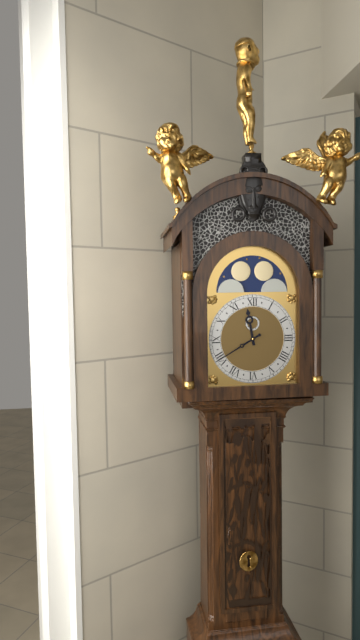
{"hour": 11, "minute": 40}
